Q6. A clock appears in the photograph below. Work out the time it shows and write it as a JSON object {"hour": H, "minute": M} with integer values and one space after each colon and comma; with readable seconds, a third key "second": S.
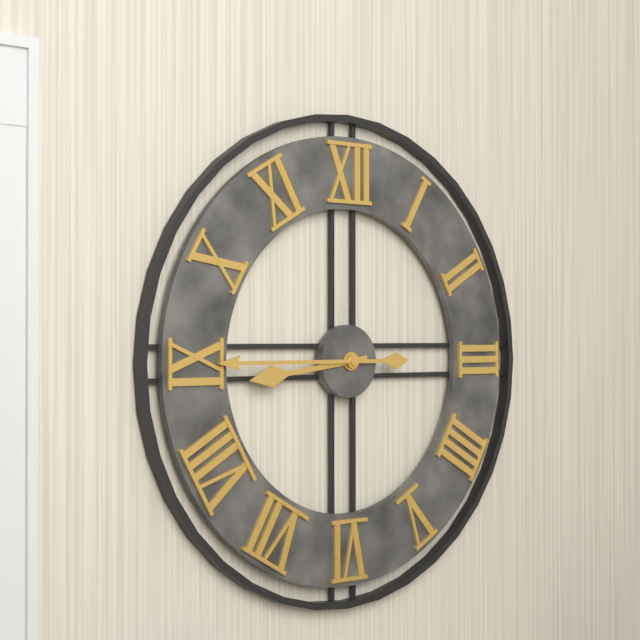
{"hour": 8, "minute": 45}
